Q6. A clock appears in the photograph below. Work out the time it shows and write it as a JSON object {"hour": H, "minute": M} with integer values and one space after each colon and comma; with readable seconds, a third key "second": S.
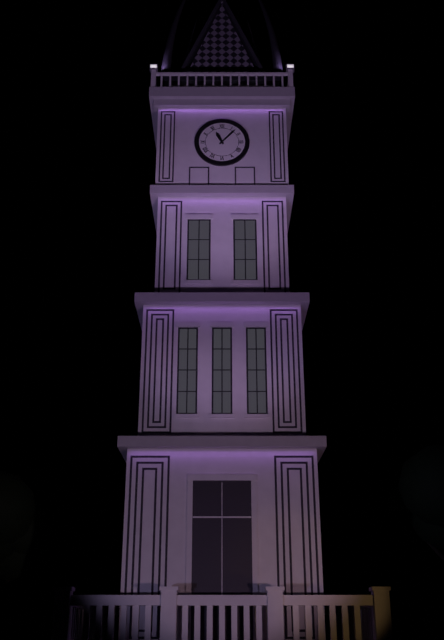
{"hour": 11, "minute": 7}
